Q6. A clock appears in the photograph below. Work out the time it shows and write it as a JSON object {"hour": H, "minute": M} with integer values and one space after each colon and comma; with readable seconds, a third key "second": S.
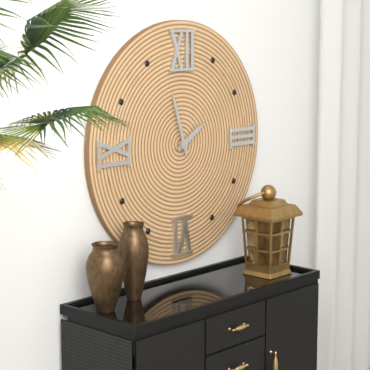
{"hour": 1, "minute": 57}
